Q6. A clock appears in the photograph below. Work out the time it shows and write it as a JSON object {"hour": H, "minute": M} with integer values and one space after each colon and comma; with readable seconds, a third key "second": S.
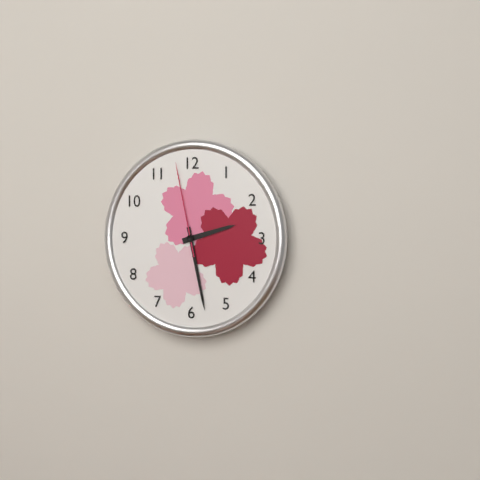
{"hour": 2, "minute": 28, "second": 58}
